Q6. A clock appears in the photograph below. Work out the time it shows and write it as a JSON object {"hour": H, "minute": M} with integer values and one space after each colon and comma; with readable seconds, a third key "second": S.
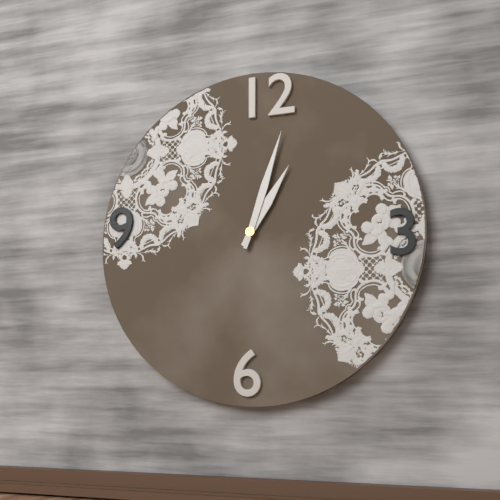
{"hour": 1, "minute": 3}
